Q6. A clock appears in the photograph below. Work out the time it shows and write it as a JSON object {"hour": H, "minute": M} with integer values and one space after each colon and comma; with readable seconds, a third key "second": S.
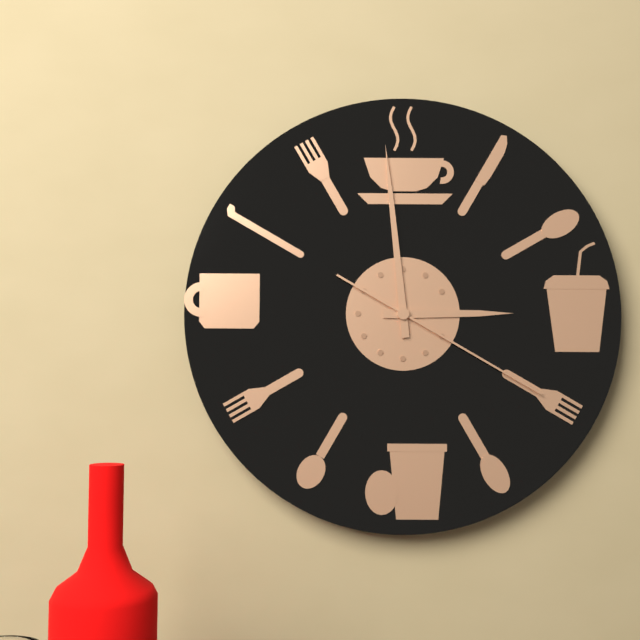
{"hour": 2, "minute": 59, "second": 20}
